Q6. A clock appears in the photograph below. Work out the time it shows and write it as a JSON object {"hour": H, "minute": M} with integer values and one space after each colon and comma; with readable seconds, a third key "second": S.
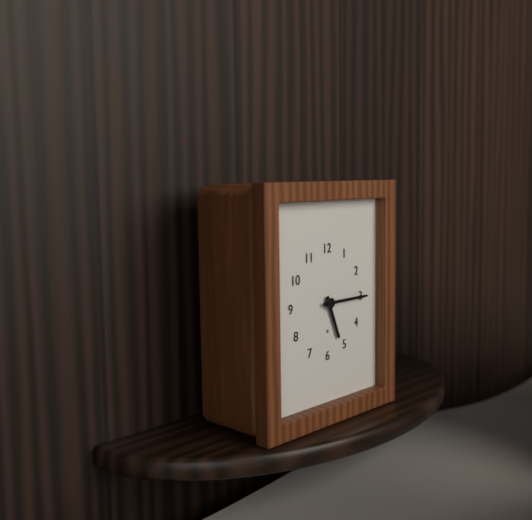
{"hour": 5, "minute": 15}
